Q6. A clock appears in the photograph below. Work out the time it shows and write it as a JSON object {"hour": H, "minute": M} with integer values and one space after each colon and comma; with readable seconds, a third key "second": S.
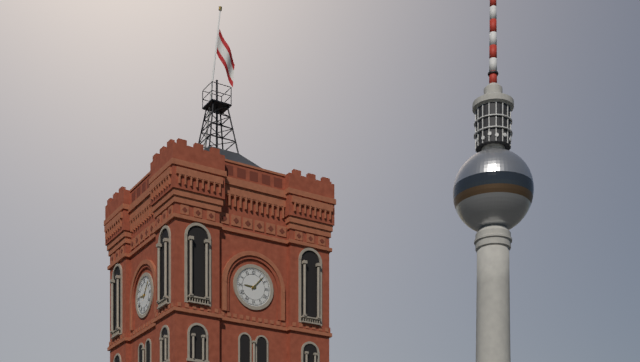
{"hour": 9, "minute": 7}
